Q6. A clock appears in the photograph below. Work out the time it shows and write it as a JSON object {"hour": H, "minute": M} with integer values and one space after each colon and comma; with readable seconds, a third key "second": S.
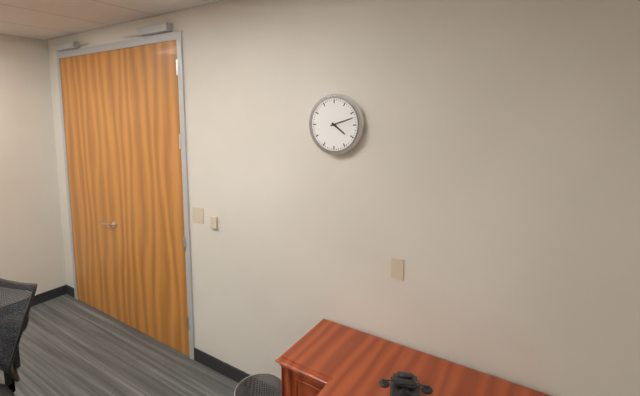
{"hour": 4, "minute": 12}
